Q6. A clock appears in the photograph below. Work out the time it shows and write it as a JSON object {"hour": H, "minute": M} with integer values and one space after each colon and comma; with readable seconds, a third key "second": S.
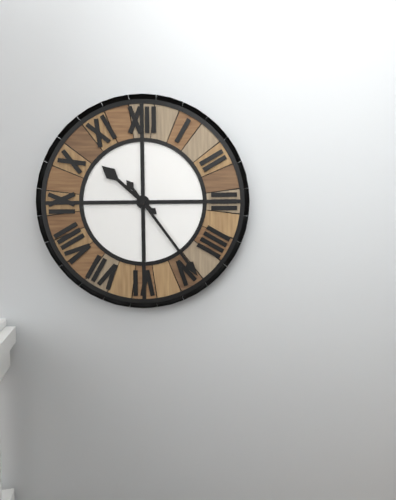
{"hour": 10, "minute": 24}
